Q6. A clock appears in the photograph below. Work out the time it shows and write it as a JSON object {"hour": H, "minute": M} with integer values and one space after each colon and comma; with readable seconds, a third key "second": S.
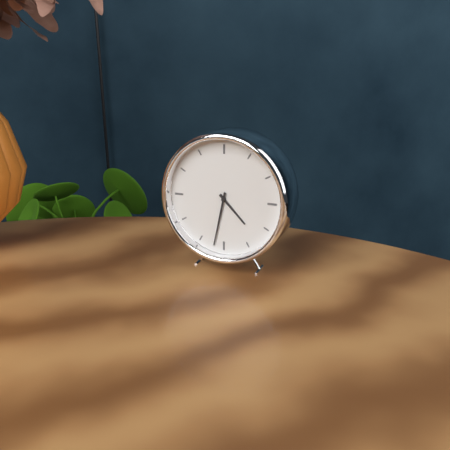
{"hour": 4, "minute": 32}
